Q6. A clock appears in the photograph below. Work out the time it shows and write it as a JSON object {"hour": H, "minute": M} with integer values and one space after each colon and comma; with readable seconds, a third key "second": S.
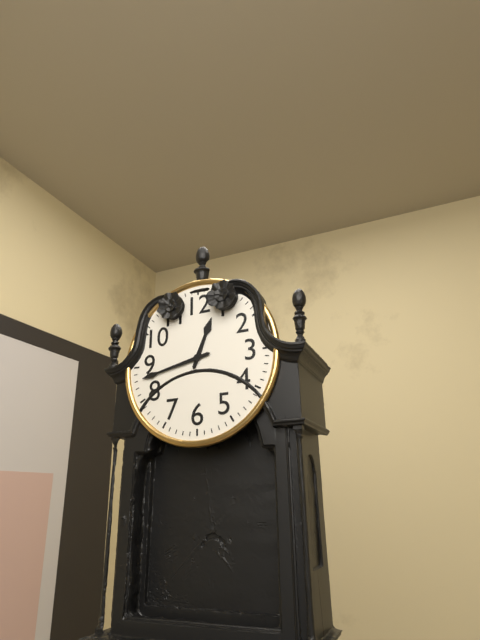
{"hour": 12, "minute": 43}
